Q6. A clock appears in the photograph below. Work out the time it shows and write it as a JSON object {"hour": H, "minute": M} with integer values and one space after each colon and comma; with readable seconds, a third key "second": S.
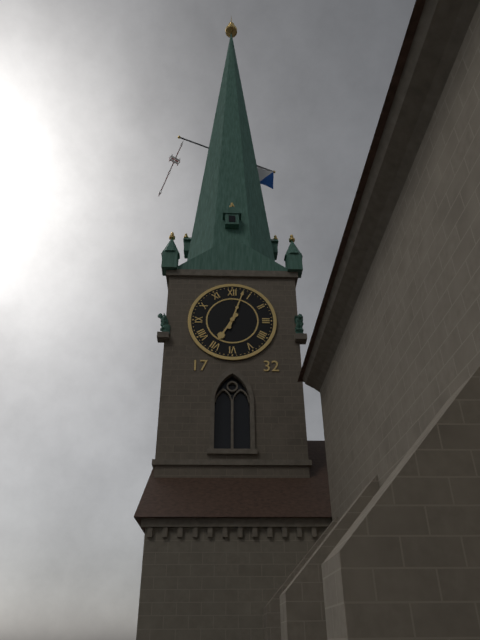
{"hour": 7, "minute": 3}
